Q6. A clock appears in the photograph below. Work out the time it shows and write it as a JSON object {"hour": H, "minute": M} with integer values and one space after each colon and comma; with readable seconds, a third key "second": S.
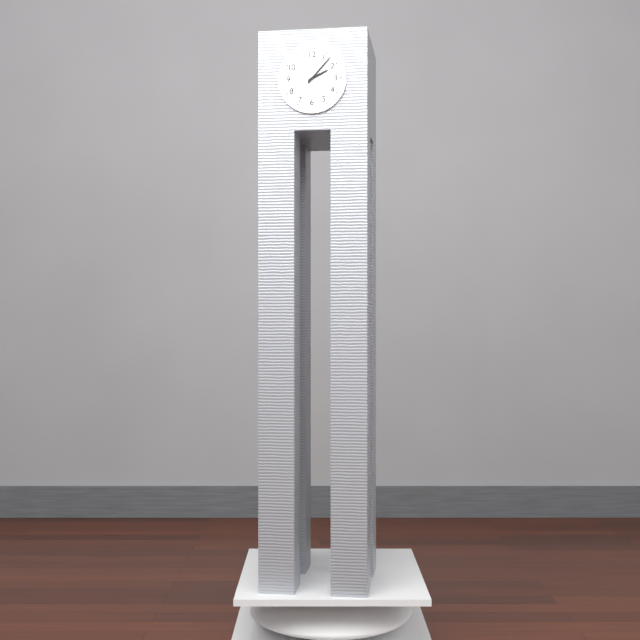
{"hour": 2, "minute": 7}
